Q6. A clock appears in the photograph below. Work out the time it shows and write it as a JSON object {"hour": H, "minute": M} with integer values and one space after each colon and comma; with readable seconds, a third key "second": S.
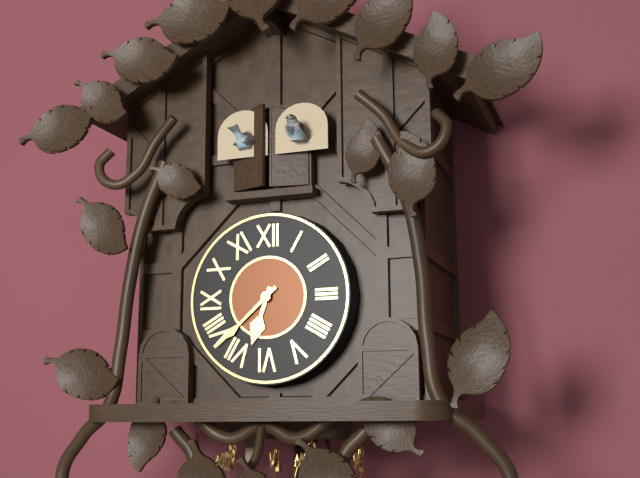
{"hour": 6, "minute": 38}
